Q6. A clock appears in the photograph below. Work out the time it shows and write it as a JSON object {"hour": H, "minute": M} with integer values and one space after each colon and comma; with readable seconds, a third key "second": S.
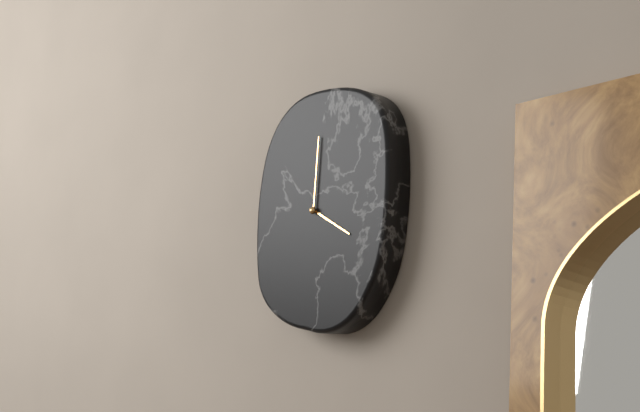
{"hour": 4, "minute": 1}
